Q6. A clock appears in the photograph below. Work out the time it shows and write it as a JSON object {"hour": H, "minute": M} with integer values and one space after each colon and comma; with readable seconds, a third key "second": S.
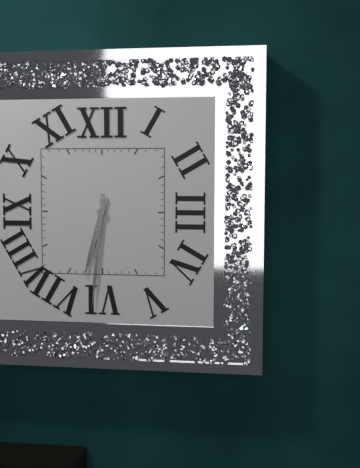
{"hour": 6, "minute": 31}
